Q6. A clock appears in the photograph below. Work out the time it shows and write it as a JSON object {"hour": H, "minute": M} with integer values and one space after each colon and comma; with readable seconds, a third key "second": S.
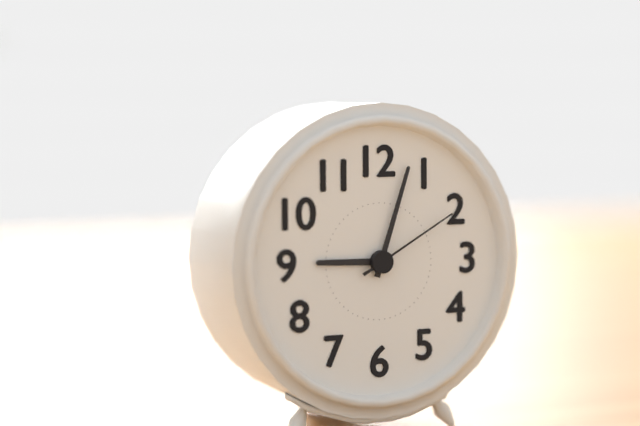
{"hour": 9, "minute": 3, "second": 10}
